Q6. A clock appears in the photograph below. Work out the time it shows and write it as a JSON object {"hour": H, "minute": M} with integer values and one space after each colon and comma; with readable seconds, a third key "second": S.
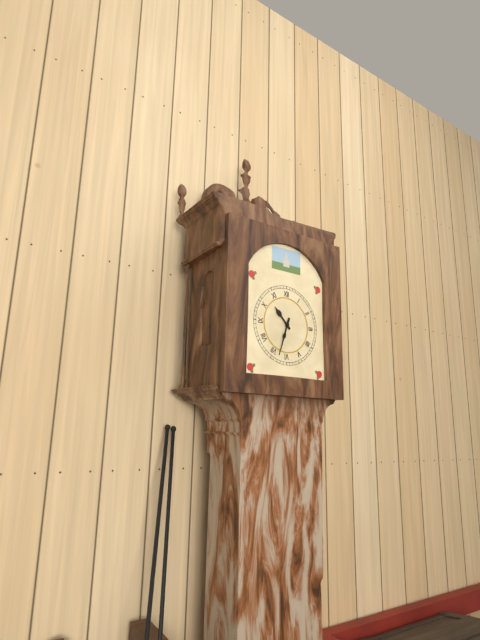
{"hour": 10, "minute": 33}
